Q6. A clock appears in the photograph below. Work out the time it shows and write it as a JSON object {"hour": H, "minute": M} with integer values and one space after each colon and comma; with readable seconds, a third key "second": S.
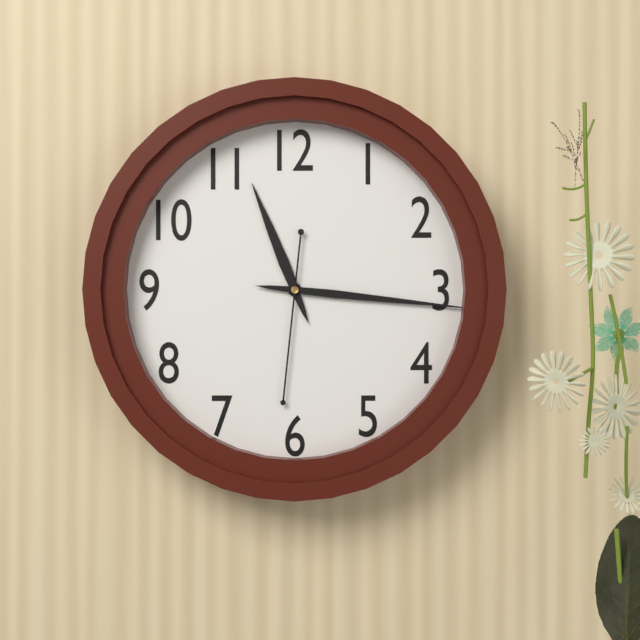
{"hour": 11, "minute": 16, "second": 31}
